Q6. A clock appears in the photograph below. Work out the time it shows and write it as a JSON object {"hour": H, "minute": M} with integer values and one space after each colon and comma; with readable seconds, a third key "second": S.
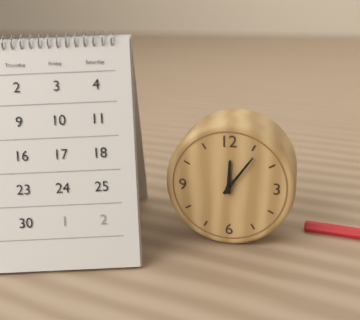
{"hour": 12, "minute": 6}
